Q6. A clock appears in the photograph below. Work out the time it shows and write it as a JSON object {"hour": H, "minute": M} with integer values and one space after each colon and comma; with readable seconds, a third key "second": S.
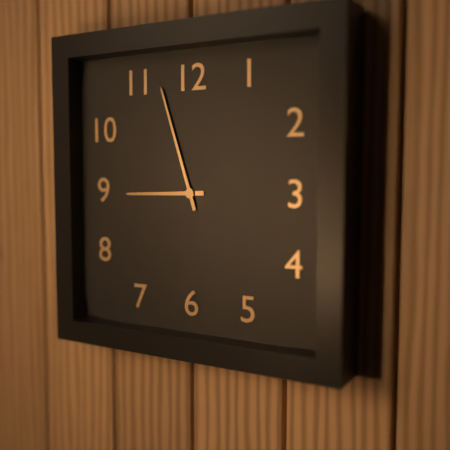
{"hour": 8, "minute": 57}
